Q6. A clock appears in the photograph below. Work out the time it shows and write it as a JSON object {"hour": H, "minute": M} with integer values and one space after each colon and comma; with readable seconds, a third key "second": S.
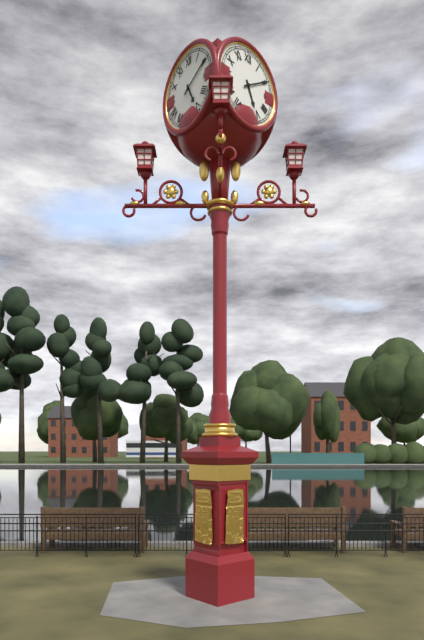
{"hour": 5, "minute": 10}
